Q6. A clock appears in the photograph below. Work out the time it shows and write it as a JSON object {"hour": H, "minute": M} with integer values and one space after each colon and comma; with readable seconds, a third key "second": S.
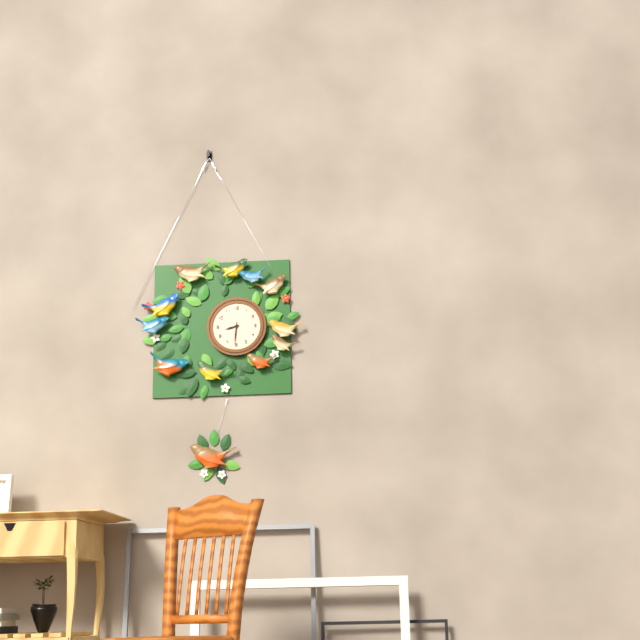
{"hour": 8, "minute": 31}
